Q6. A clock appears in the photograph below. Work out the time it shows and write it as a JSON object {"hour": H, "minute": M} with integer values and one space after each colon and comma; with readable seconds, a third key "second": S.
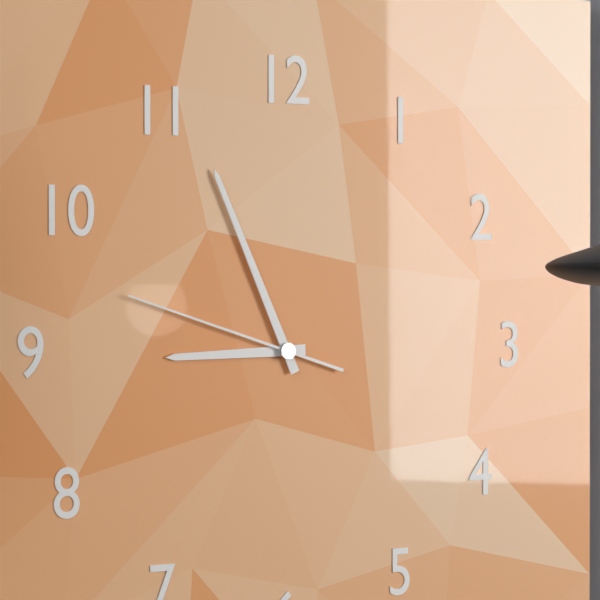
{"hour": 8, "minute": 56, "second": 48}
